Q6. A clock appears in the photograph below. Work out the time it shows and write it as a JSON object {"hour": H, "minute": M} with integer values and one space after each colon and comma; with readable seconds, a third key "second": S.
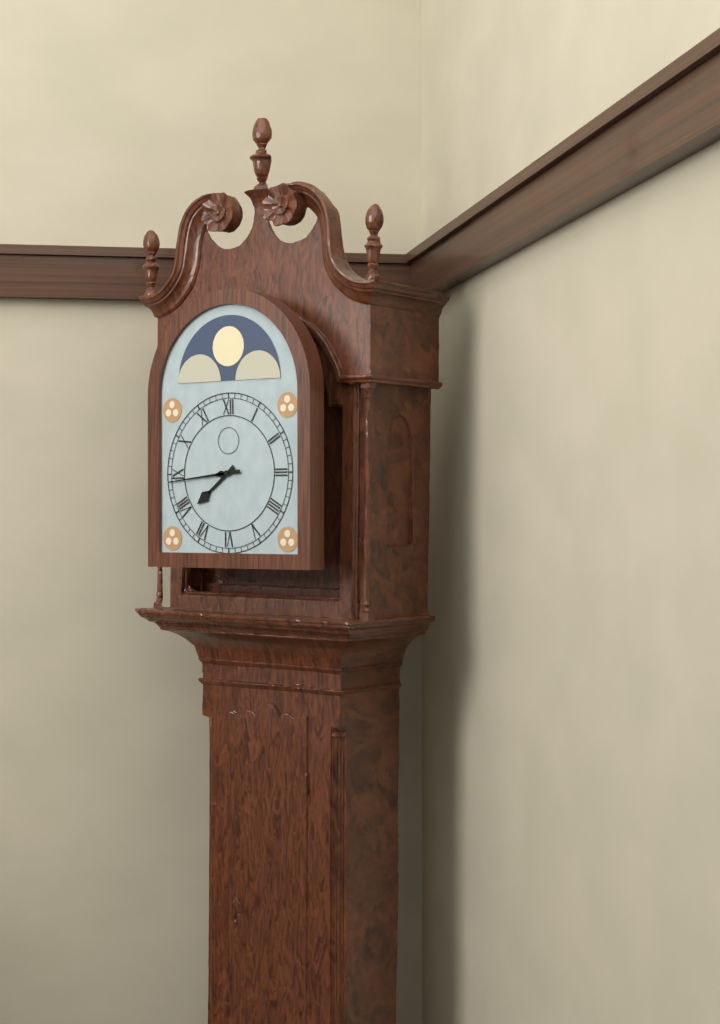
{"hour": 7, "minute": 44}
